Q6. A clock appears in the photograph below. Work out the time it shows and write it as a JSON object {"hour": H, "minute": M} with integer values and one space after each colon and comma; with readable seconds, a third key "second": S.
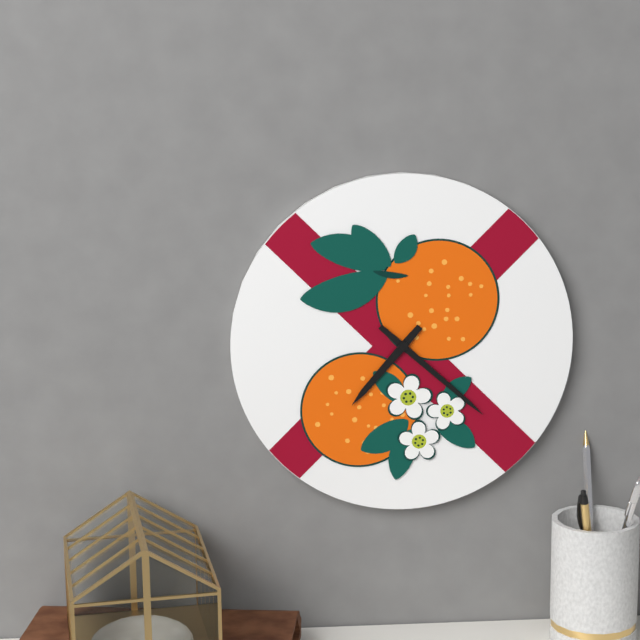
{"hour": 7, "minute": 22}
